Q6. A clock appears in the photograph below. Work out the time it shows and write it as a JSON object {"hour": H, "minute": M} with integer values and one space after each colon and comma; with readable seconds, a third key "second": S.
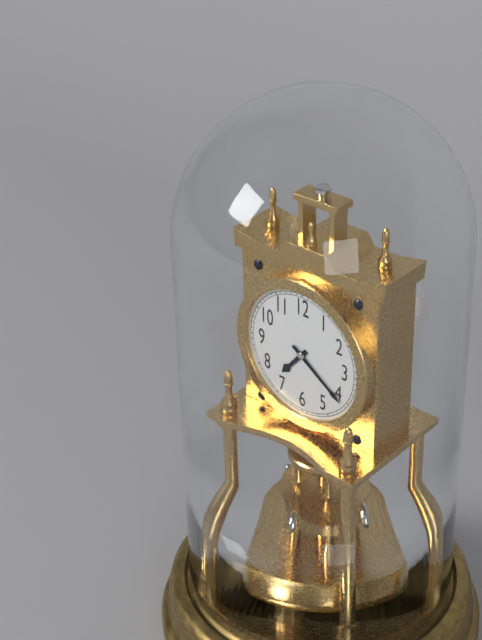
{"hour": 7, "minute": 21}
